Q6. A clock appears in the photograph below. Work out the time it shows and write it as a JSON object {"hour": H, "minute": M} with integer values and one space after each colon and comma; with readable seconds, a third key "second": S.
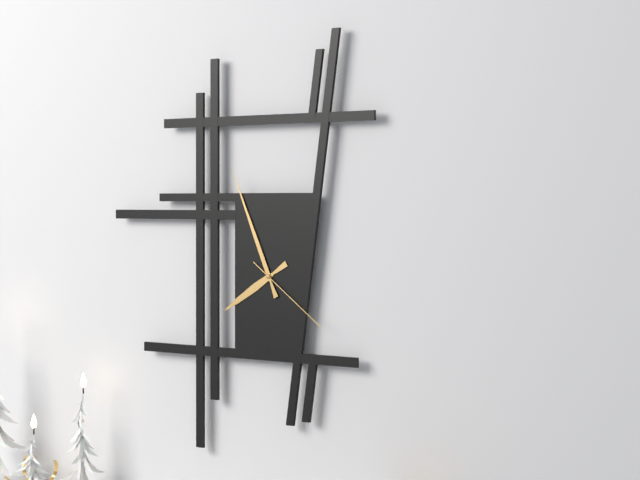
{"hour": 7, "minute": 56, "second": 21}
